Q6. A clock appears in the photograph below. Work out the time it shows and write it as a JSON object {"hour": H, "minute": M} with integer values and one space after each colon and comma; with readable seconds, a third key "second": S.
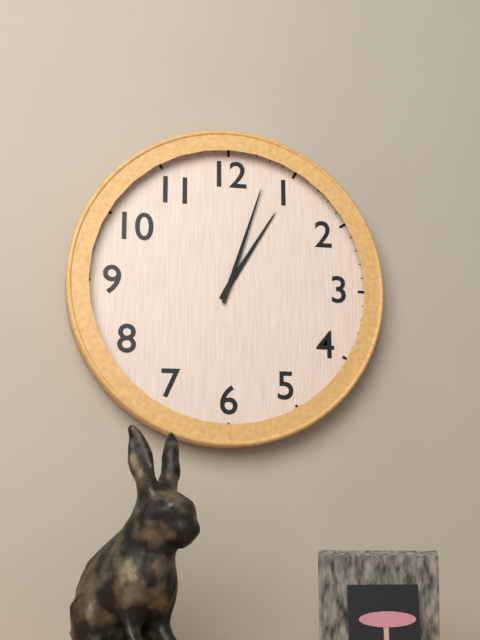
{"hour": 1, "minute": 3}
